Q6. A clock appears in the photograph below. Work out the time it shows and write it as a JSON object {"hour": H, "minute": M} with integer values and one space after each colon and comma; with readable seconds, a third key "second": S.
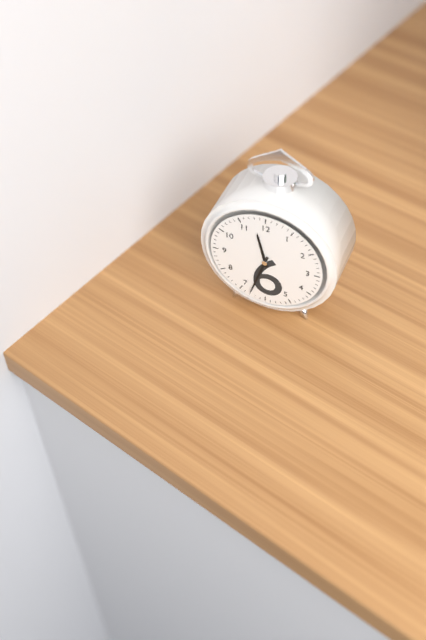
{"hour": 11, "minute": 33}
